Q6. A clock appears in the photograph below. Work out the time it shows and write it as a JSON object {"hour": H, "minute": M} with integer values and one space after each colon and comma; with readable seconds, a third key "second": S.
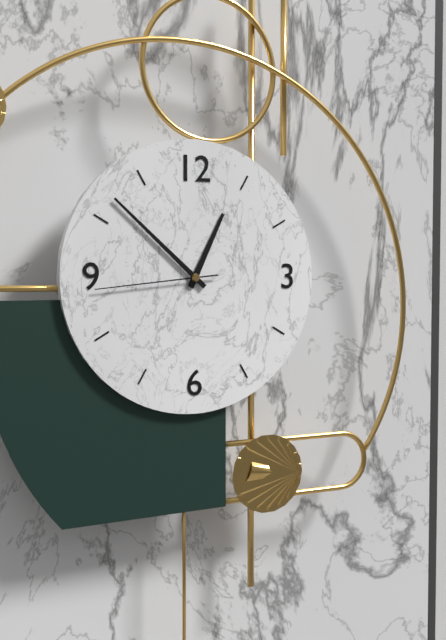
{"hour": 12, "minute": 52, "second": 44}
